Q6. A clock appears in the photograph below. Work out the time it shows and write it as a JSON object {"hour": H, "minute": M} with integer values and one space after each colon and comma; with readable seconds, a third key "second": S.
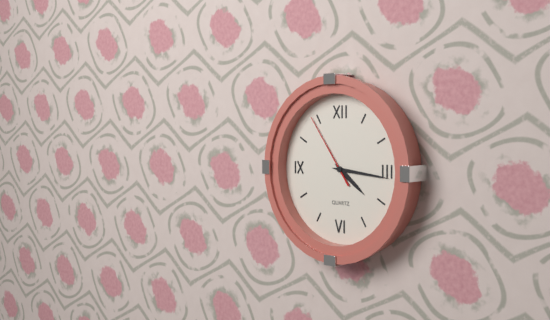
{"hour": 4, "minute": 16, "second": 54}
